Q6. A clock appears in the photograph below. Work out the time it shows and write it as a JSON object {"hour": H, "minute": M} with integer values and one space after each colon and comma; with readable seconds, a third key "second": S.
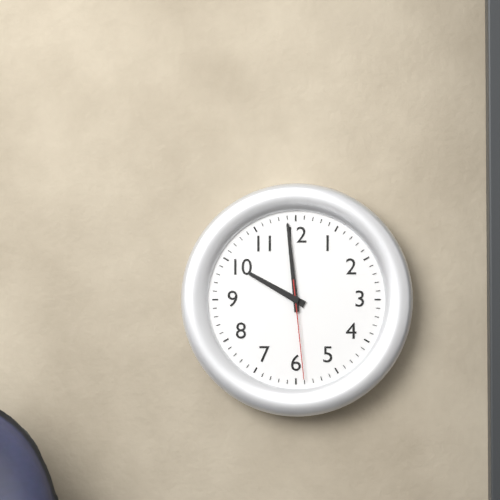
{"hour": 9, "minute": 59, "second": 29}
